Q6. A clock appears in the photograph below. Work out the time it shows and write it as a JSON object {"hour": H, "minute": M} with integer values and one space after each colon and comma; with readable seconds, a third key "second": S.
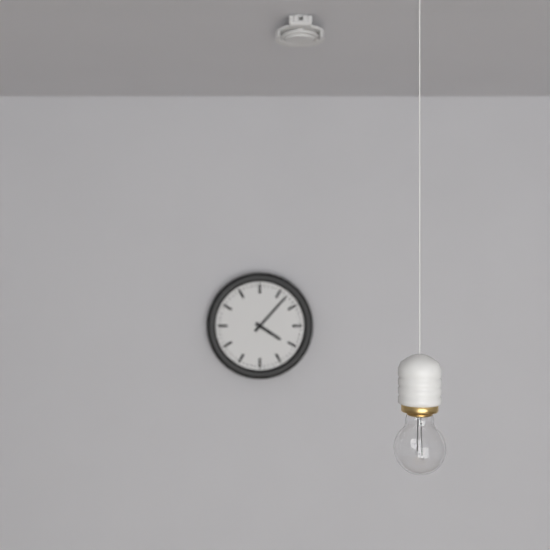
{"hour": 4, "minute": 7}
